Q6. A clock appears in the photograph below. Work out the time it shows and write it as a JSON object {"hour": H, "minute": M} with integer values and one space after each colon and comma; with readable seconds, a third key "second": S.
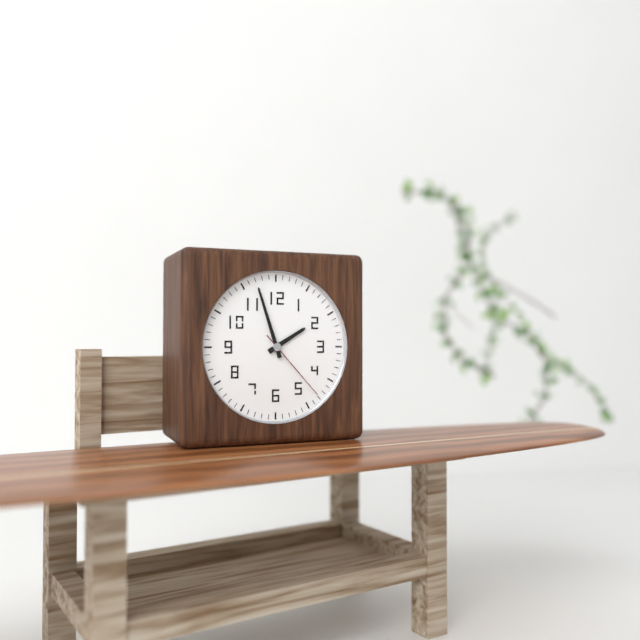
{"hour": 1, "minute": 57, "second": 23}
